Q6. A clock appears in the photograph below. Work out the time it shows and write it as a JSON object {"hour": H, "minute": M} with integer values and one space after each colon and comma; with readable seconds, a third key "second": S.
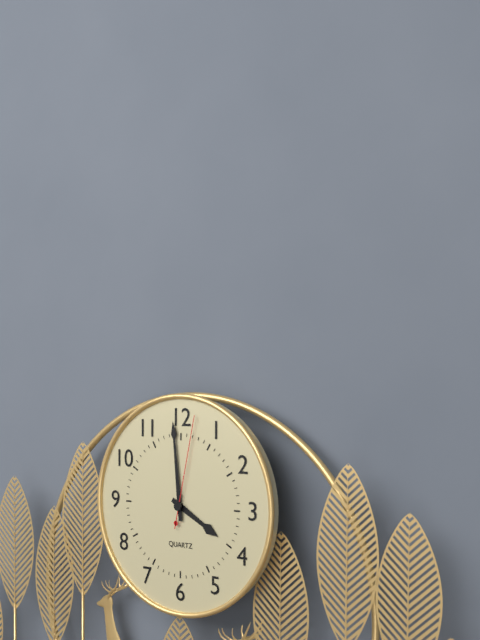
{"hour": 3, "minute": 59, "second": 2}
